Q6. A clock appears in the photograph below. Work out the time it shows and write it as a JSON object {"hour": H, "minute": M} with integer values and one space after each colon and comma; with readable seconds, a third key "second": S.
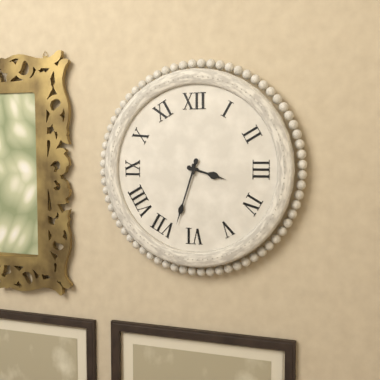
{"hour": 3, "minute": 33}
